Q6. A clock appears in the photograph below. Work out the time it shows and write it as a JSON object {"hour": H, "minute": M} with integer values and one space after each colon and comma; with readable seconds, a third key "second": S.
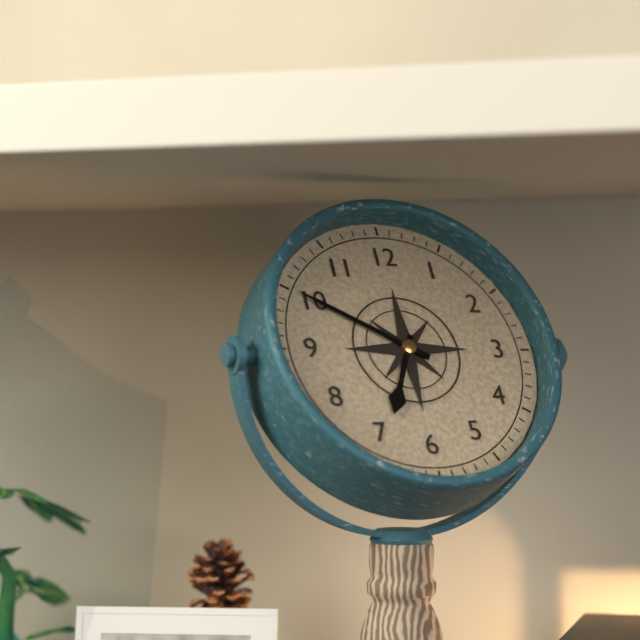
{"hour": 6, "minute": 50}
